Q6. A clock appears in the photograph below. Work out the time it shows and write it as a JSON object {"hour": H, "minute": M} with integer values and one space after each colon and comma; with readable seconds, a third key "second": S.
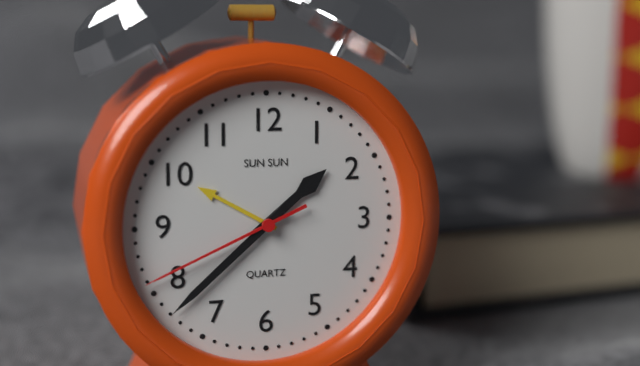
{"hour": 1, "minute": 38, "second": 41}
